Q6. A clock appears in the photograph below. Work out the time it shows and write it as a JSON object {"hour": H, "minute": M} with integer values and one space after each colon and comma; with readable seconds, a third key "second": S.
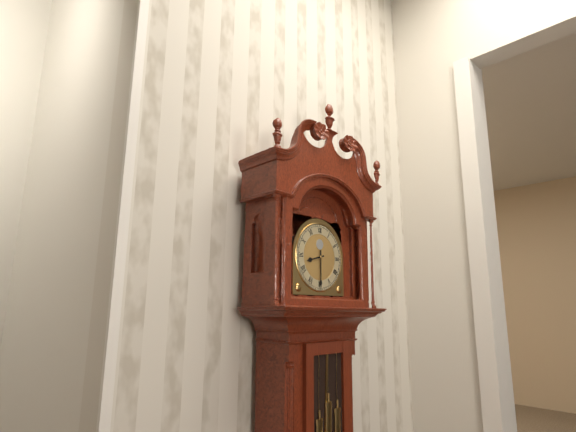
{"hour": 8, "minute": 30}
